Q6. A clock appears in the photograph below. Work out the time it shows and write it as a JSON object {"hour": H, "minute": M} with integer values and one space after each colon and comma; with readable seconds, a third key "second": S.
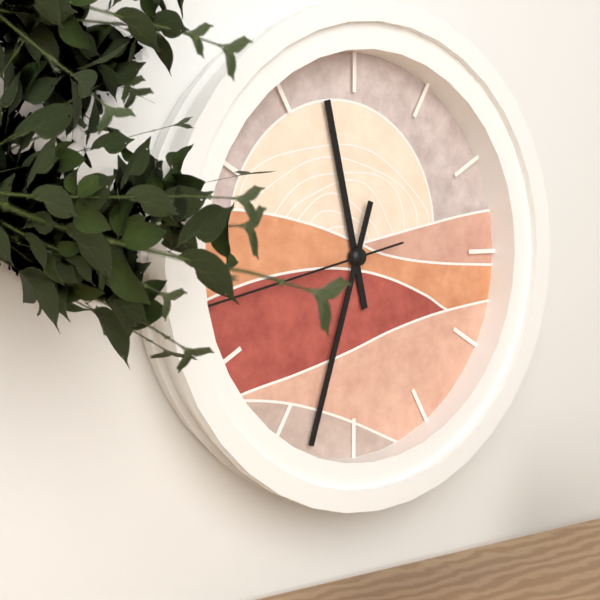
{"hour": 11, "minute": 33}
